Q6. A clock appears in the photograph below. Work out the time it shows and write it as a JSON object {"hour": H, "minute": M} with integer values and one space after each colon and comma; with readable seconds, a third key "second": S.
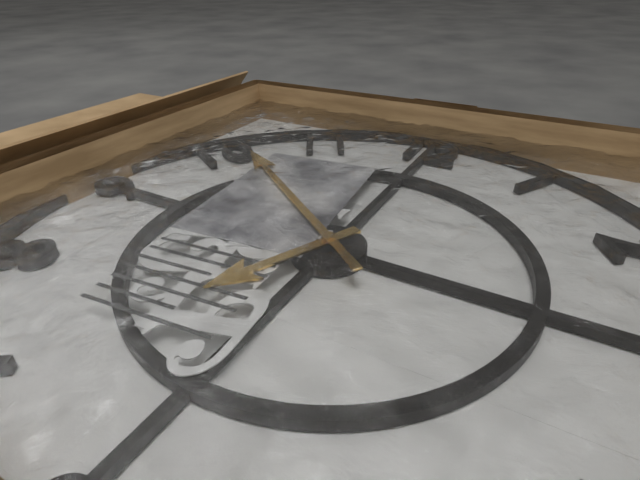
{"hour": 6, "minute": 51}
